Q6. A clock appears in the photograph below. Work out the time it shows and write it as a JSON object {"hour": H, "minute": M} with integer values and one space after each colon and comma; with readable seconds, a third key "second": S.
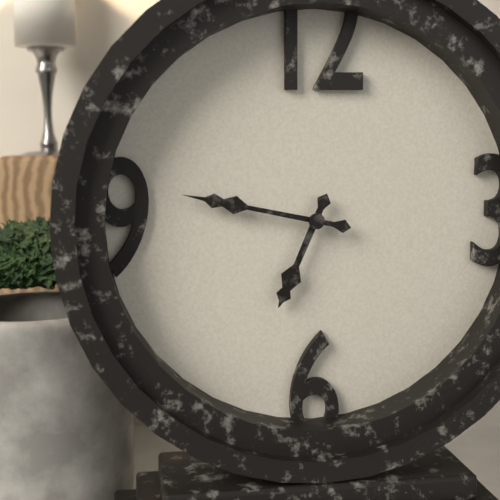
{"hour": 6, "minute": 47}
